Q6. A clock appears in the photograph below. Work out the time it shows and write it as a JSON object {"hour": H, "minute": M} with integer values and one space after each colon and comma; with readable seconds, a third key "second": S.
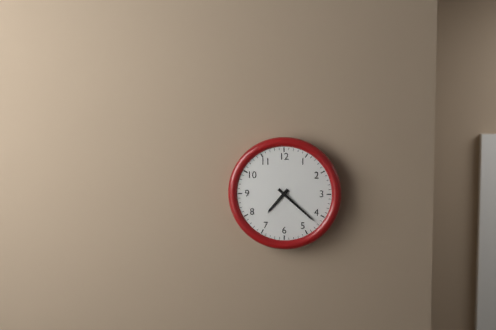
{"hour": 7, "minute": 22}
